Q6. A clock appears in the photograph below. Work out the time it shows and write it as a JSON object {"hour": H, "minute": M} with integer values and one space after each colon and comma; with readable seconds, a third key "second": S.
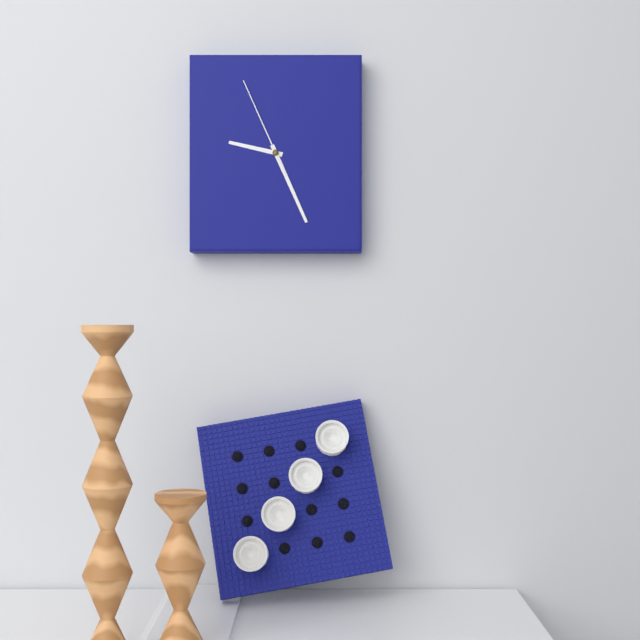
{"hour": 9, "minute": 26, "second": 56}
